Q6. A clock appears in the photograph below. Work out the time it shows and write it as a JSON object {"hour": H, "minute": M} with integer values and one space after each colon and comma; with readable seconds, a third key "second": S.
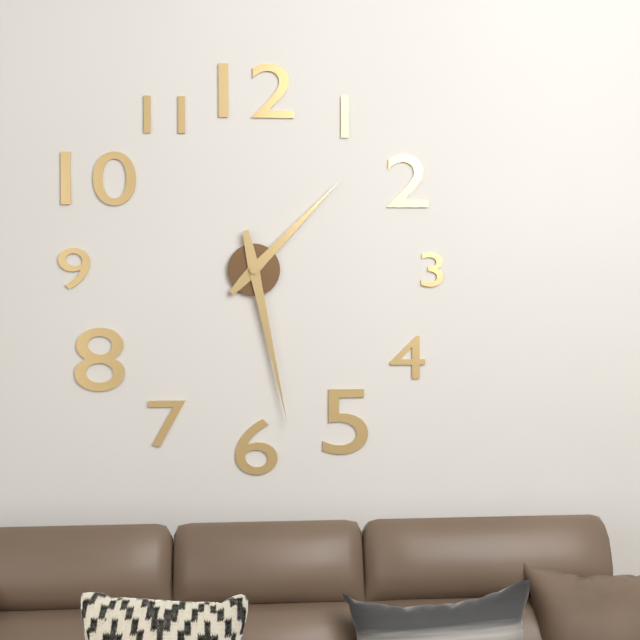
{"hour": 1, "minute": 28}
